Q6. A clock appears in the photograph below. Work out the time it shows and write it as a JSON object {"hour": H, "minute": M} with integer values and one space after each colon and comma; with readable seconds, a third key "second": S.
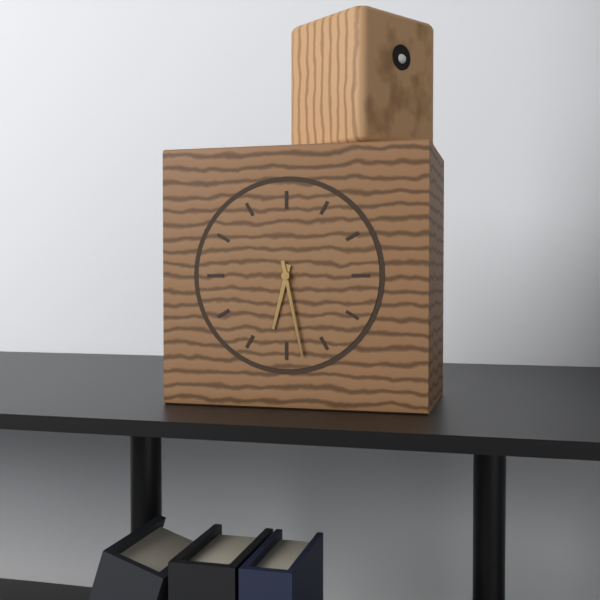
{"hour": 6, "minute": 28}
